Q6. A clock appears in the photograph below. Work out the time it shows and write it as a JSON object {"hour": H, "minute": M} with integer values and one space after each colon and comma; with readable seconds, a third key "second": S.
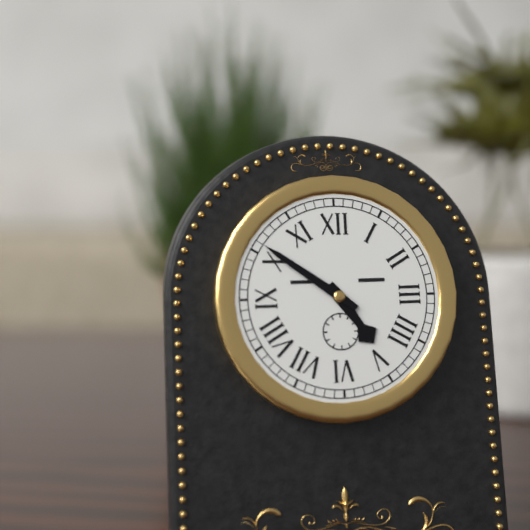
{"hour": 4, "minute": 51}
